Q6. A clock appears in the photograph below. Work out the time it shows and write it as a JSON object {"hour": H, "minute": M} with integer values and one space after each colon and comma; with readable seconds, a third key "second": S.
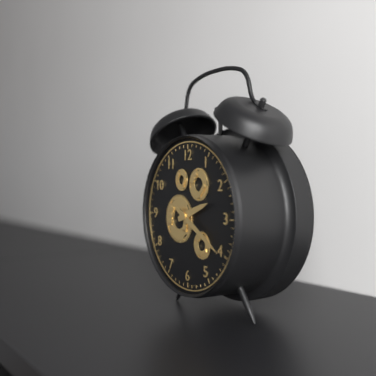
{"hour": 2, "minute": 20}
